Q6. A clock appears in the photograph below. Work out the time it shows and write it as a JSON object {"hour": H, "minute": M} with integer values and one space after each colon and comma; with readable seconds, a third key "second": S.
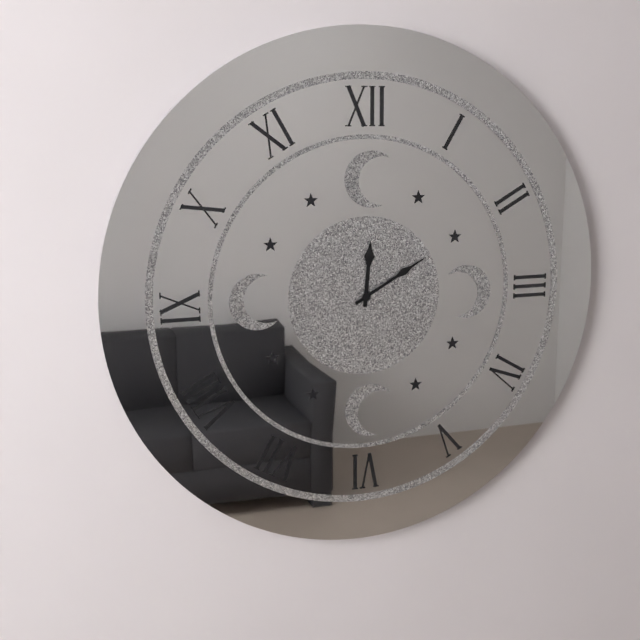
{"hour": 12, "minute": 10}
